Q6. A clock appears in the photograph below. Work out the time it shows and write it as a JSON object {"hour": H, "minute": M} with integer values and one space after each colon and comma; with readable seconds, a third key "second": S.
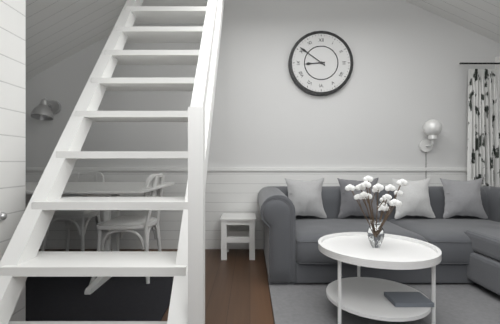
{"hour": 8, "minute": 51}
